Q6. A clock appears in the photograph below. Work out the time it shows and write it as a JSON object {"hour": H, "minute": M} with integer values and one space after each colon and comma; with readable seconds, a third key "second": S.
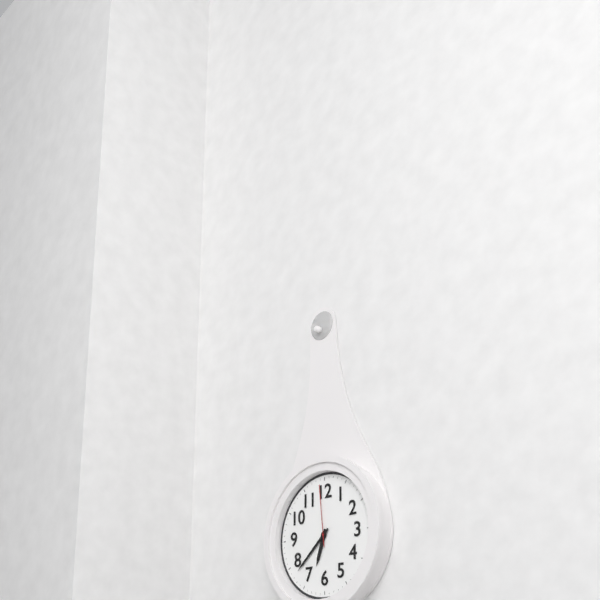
{"hour": 6, "minute": 38, "second": 59}
